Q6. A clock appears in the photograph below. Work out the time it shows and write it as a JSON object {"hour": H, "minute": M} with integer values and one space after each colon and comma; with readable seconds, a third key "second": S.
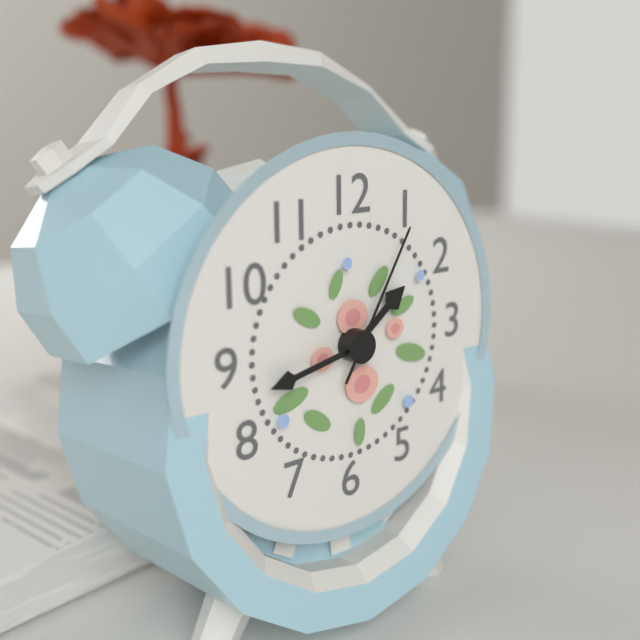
{"hour": 1, "minute": 43, "second": 5}
